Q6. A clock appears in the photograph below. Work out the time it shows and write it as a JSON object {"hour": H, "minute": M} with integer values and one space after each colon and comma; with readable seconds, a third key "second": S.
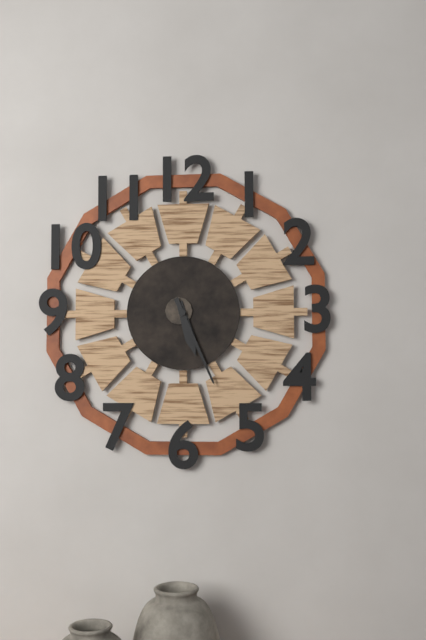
{"hour": 5, "minute": 26}
